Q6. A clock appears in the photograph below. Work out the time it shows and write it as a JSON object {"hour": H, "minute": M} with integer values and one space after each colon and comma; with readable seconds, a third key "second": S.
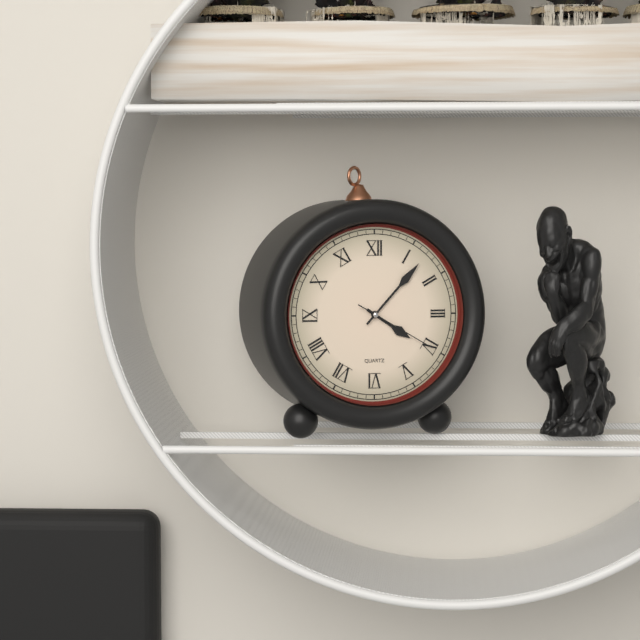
{"hour": 4, "minute": 7, "second": 20}
